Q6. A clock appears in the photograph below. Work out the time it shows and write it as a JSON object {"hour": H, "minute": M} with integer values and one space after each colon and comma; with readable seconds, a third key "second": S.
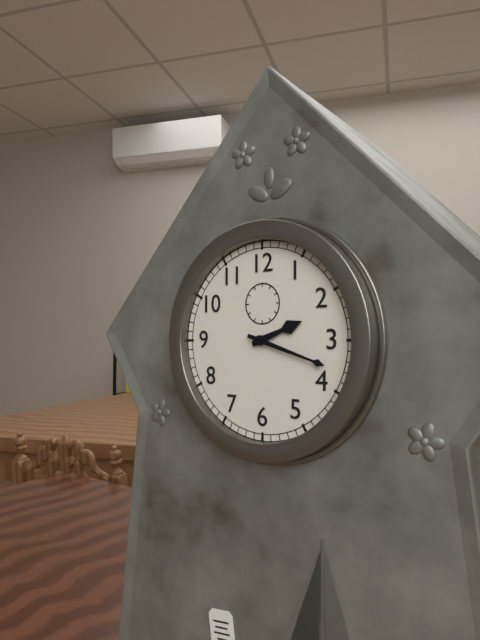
{"hour": 2, "minute": 18}
